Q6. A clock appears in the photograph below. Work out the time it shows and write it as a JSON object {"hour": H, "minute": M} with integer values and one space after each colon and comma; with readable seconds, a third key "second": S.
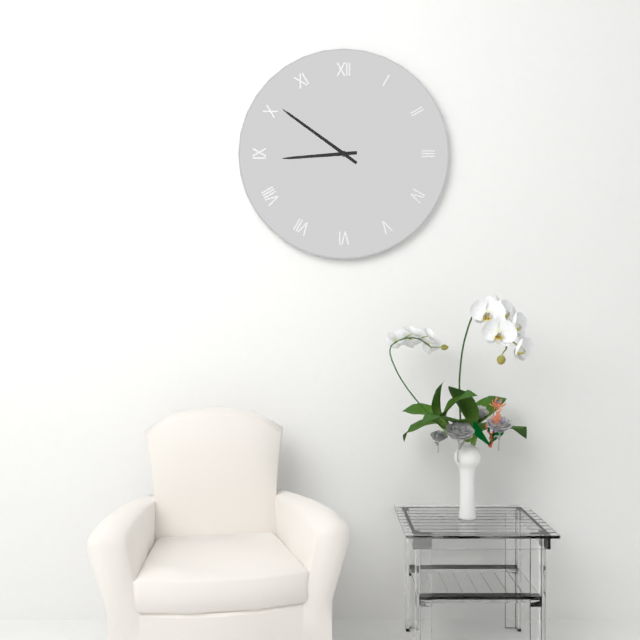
{"hour": 8, "minute": 51}
